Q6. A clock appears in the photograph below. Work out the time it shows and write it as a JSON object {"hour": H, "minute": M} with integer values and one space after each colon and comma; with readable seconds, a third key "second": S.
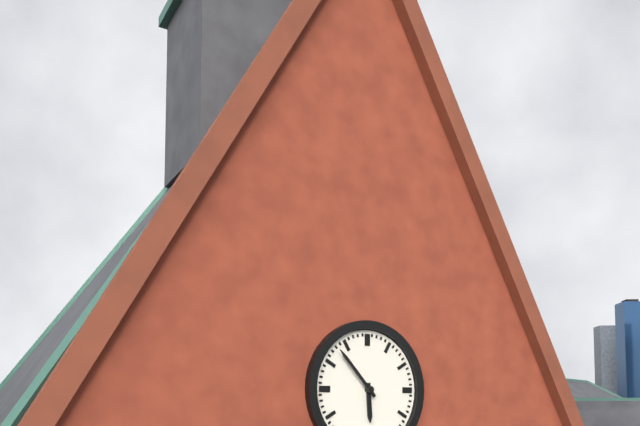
{"hour": 5, "minute": 53}
